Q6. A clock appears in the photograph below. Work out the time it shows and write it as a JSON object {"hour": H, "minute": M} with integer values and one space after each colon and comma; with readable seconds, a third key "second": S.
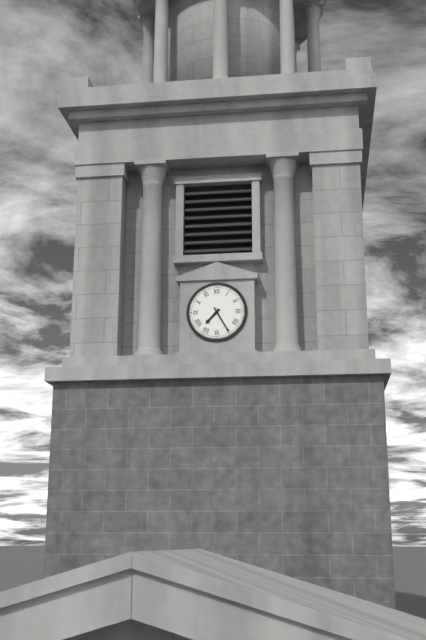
{"hour": 7, "minute": 25}
